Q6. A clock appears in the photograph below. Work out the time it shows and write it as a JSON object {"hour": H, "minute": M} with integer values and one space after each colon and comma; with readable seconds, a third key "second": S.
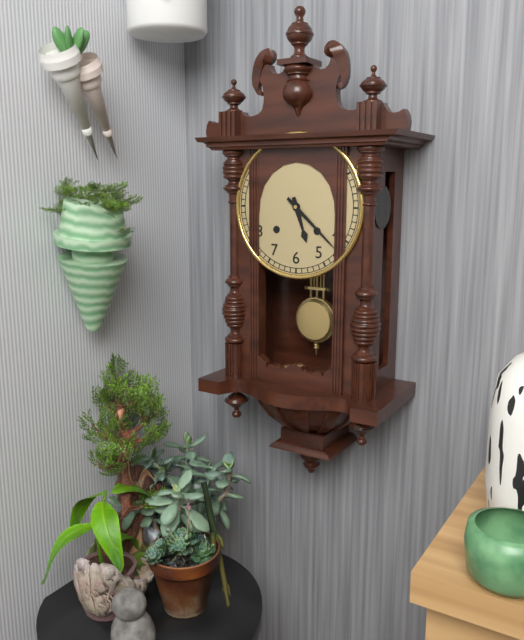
{"hour": 5, "minute": 22}
